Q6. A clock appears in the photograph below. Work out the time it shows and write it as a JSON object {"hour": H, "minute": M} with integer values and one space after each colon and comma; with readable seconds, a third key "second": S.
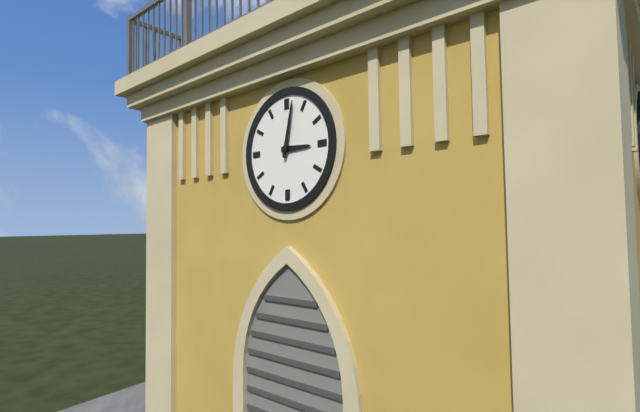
{"hour": 3, "minute": 2}
